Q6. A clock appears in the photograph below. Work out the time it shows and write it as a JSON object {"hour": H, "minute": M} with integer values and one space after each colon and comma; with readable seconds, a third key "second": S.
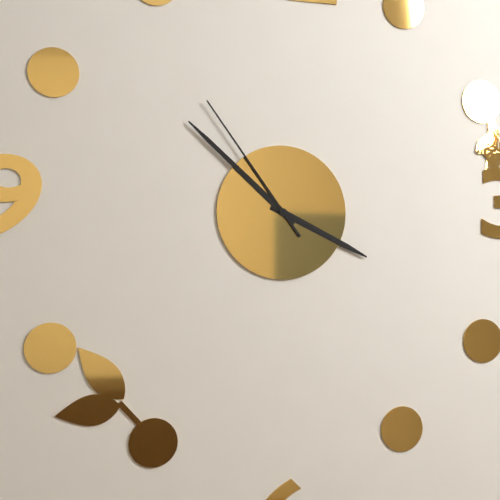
{"hour": 3, "minute": 52, "second": 54}
